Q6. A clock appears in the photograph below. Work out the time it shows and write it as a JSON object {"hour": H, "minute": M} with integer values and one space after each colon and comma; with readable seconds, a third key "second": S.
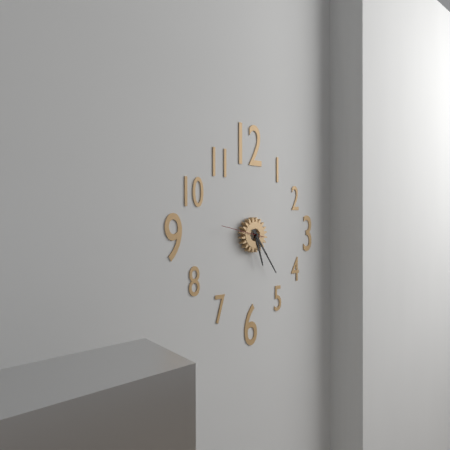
{"hour": 5, "minute": 24}
